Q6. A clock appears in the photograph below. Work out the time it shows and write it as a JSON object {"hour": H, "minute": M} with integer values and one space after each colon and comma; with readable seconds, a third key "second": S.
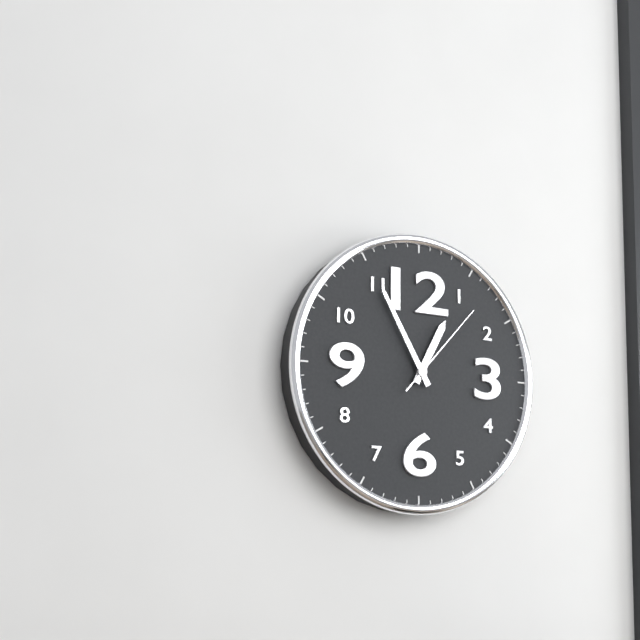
{"hour": 12, "minute": 55, "second": 7}
